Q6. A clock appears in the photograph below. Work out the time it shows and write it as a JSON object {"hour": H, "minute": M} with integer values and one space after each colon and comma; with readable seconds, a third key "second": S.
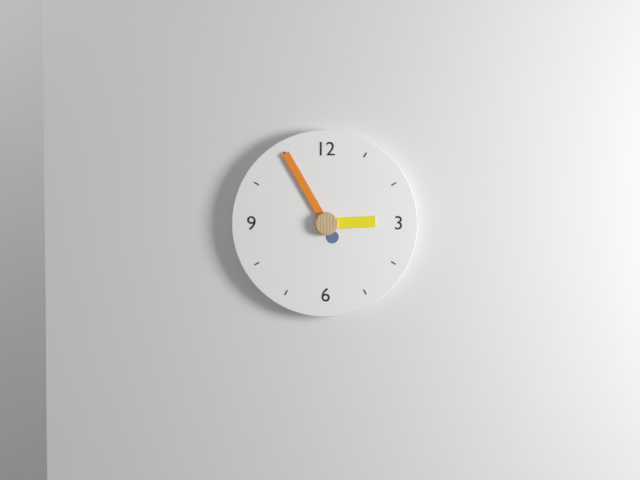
{"hour": 2, "minute": 55}
